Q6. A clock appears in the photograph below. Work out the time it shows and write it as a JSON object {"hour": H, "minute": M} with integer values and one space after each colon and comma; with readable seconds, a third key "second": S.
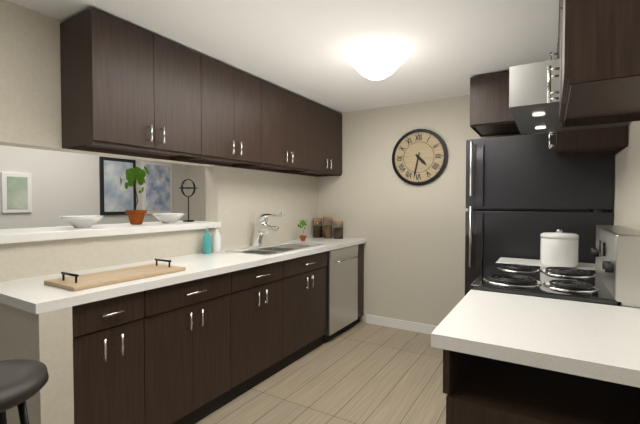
{"hour": 4, "minute": 32}
